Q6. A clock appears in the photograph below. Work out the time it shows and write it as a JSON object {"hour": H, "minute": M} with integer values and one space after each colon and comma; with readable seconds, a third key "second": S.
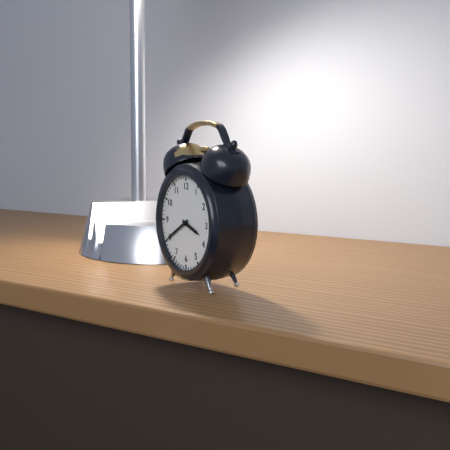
{"hour": 3, "minute": 40}
